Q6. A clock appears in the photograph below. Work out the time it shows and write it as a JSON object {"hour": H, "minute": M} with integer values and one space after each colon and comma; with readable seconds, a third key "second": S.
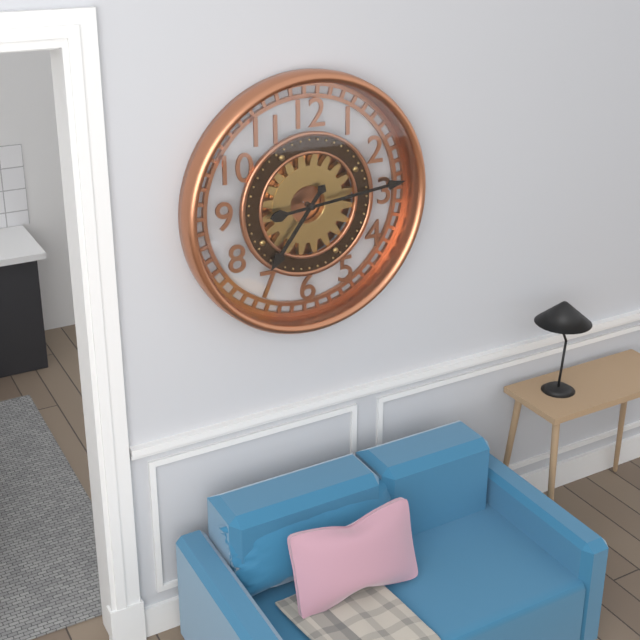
{"hour": 7, "minute": 14}
